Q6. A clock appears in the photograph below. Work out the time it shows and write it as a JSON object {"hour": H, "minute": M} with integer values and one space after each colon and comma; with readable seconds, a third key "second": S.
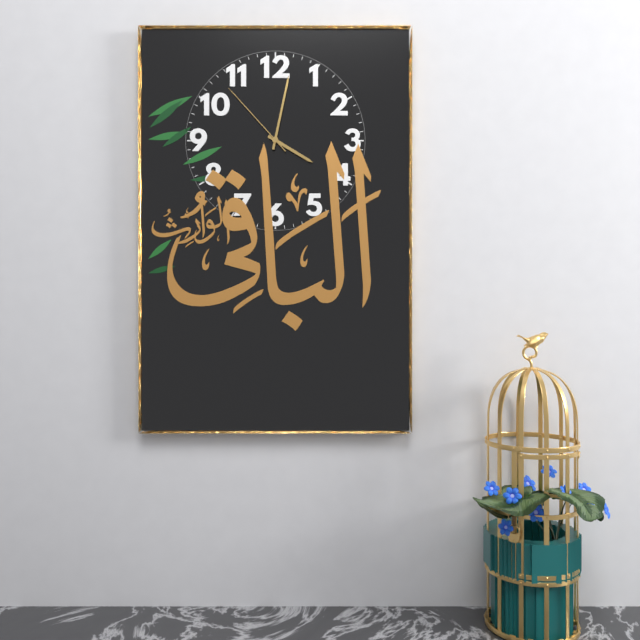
{"hour": 4, "minute": 2, "second": 53}
